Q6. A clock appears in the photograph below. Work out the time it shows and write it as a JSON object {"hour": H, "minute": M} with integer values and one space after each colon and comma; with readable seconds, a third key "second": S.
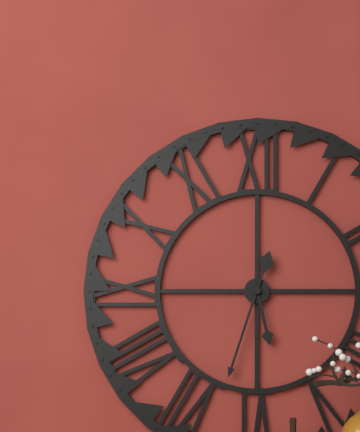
{"hour": 5, "minute": 33}
